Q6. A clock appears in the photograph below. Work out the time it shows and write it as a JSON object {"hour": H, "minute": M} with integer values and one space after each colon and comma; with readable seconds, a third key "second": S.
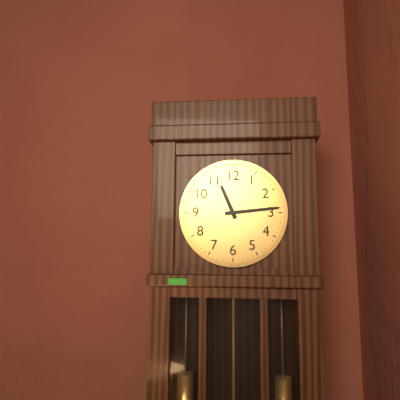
{"hour": 11, "minute": 14}
